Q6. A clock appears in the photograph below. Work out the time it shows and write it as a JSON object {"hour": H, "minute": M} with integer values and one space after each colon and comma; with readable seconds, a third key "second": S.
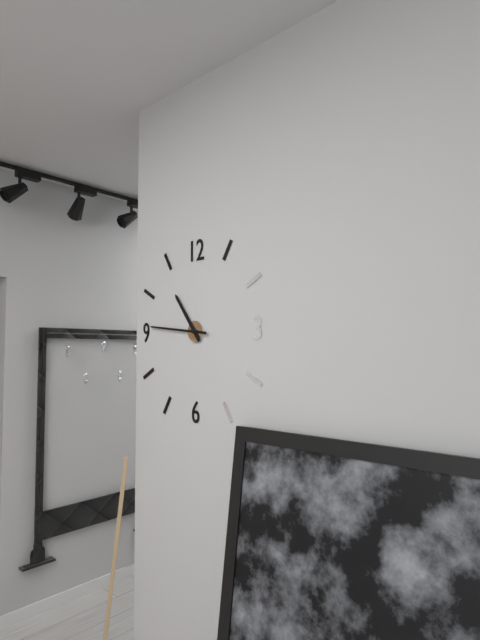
{"hour": 10, "minute": 46}
